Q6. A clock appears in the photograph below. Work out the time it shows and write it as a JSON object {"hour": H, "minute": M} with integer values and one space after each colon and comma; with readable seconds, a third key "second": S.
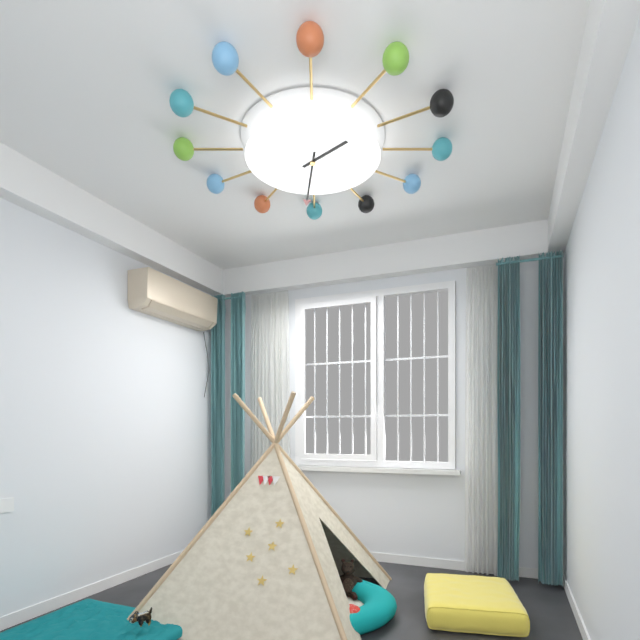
{"hour": 1, "minute": 31}
